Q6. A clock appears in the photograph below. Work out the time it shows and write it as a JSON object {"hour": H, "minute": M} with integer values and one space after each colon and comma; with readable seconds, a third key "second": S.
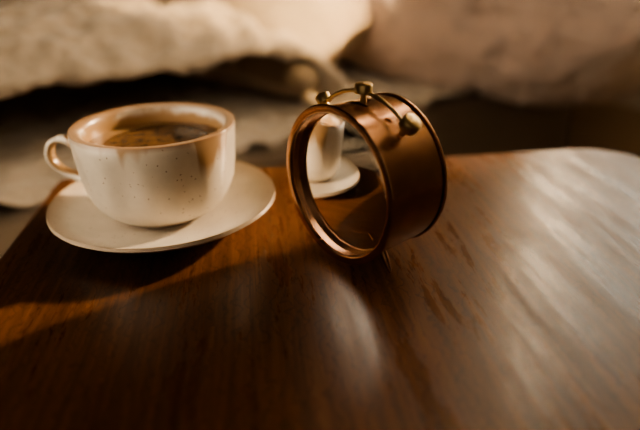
{"hour": 6, "minute": 35, "second": 22}
